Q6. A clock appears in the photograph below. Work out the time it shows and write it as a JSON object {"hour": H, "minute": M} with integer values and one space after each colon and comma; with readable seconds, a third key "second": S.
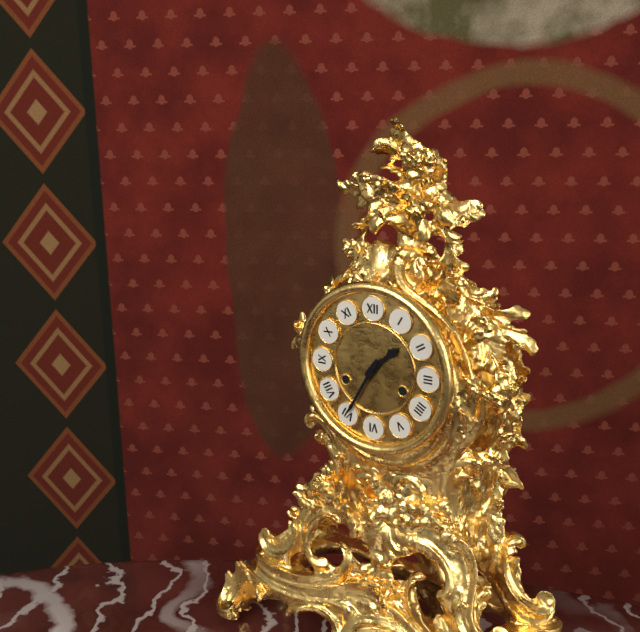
{"hour": 1, "minute": 35}
